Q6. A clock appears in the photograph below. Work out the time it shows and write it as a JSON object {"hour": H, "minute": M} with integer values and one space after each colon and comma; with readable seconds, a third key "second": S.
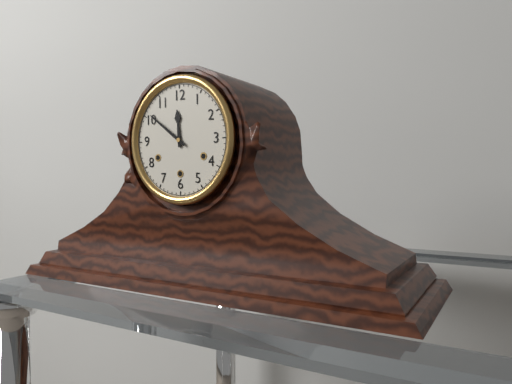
{"hour": 11, "minute": 51}
